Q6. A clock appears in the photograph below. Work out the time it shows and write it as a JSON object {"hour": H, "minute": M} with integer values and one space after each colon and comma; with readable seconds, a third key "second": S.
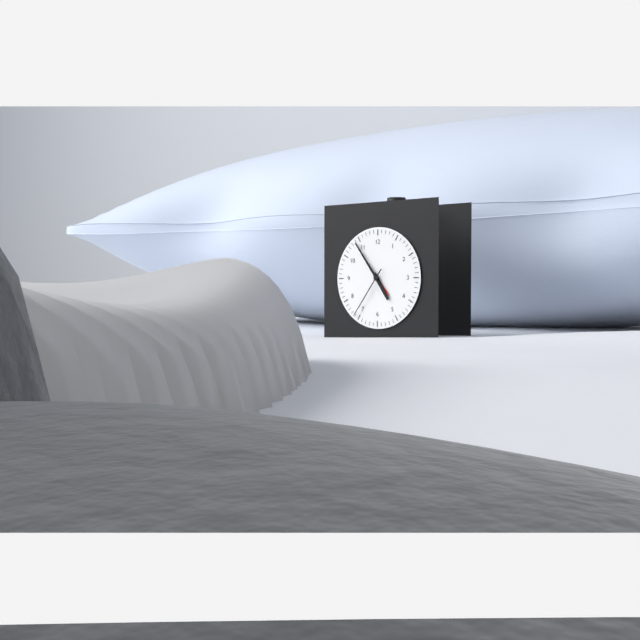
{"hour": 4, "minute": 54, "second": 36}
